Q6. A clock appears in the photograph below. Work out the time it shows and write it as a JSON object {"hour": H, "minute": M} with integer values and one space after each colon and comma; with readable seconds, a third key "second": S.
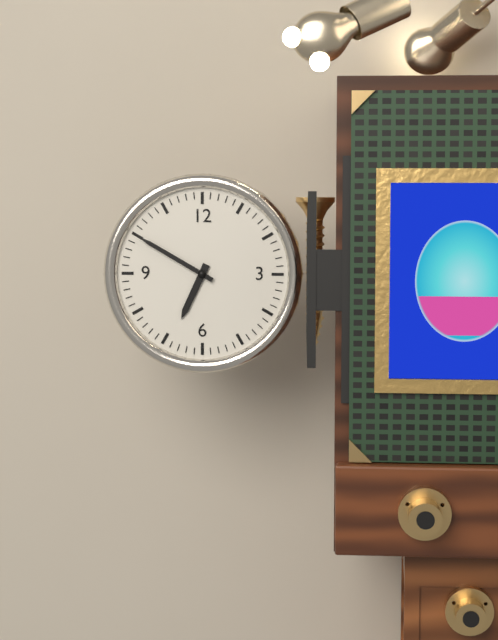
{"hour": 6, "minute": 50}
